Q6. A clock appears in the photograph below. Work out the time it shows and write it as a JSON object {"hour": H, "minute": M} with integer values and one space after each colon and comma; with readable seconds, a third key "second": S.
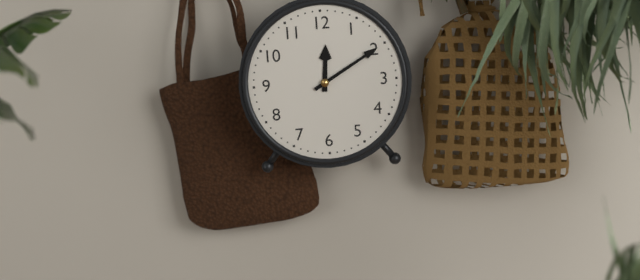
{"hour": 12, "minute": 10}
